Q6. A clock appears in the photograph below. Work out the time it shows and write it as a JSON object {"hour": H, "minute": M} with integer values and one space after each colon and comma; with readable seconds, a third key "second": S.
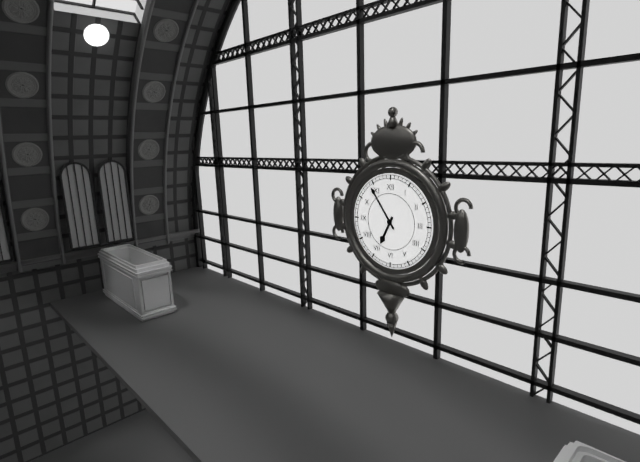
{"hour": 6, "minute": 54}
